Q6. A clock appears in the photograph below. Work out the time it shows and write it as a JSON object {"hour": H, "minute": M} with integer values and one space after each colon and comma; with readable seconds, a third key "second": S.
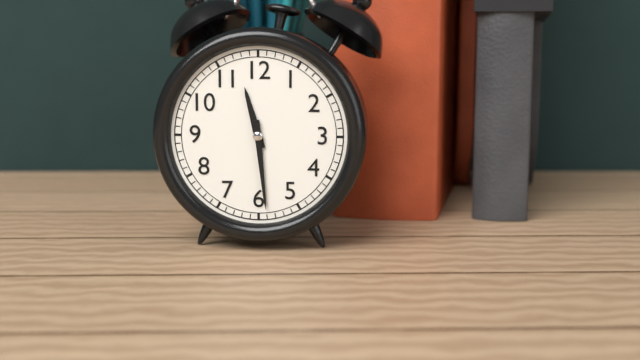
{"hour": 11, "minute": 29}
